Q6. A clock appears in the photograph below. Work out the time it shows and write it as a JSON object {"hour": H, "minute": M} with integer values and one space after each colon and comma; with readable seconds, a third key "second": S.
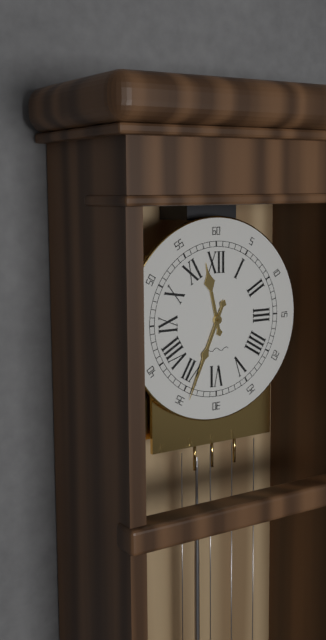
{"hour": 11, "minute": 34}
